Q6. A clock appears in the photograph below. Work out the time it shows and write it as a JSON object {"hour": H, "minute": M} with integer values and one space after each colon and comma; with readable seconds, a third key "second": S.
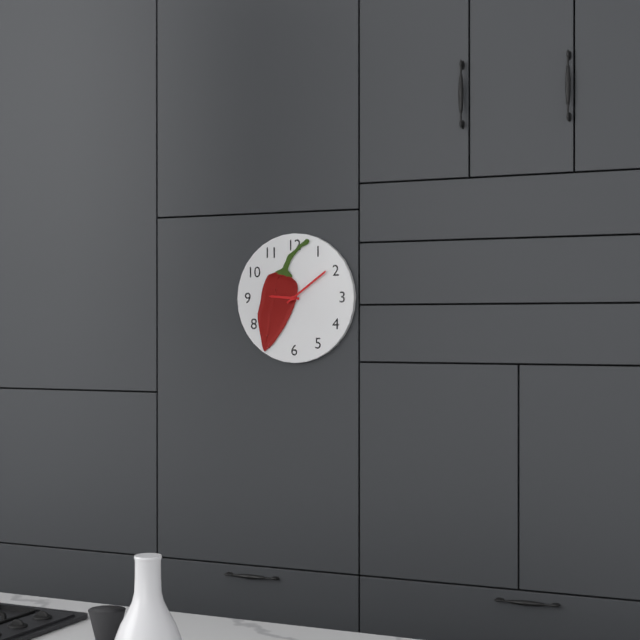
{"hour": 9, "minute": 9}
